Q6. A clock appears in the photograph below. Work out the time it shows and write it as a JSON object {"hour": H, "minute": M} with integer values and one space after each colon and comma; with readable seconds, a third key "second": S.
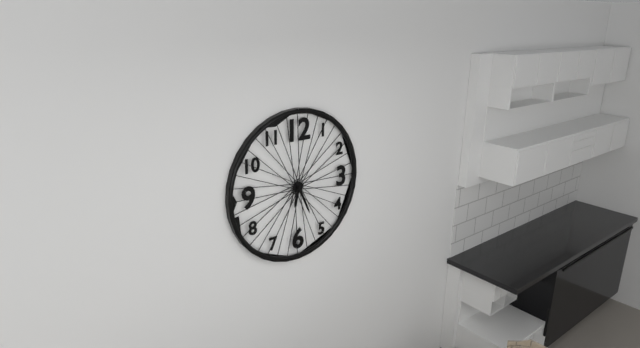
{"hour": 6, "minute": 26}
